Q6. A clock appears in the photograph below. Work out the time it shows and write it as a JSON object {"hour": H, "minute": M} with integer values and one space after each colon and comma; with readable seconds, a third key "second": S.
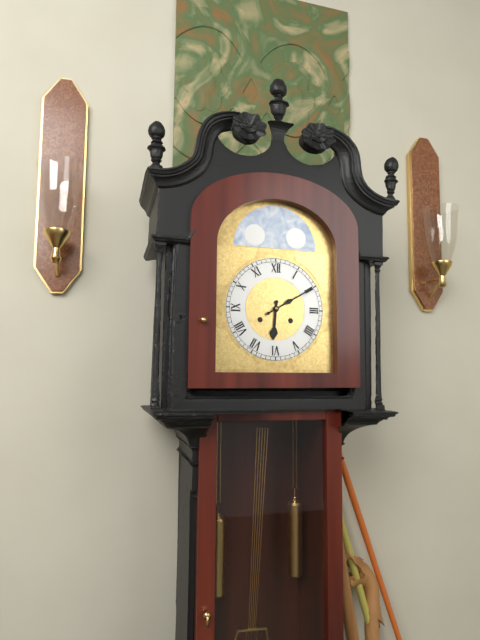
{"hour": 6, "minute": 10}
